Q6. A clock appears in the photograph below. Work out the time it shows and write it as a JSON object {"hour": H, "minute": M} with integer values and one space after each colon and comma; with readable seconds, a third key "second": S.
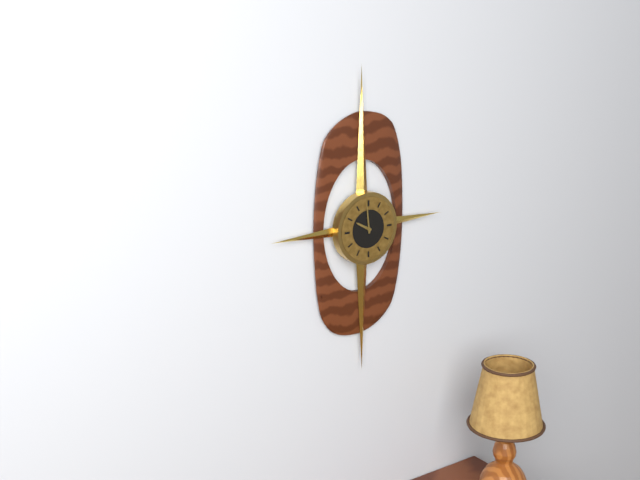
{"hour": 9, "minute": 59}
